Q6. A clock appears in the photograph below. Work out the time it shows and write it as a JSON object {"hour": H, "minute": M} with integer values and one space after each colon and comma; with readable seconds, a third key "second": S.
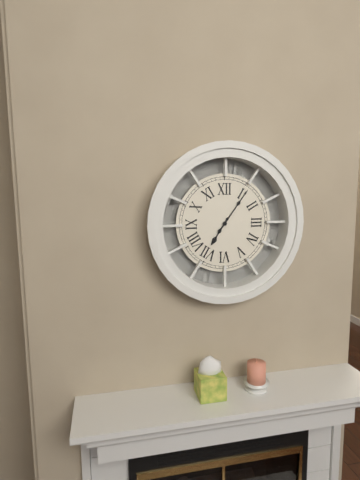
{"hour": 7, "minute": 6}
